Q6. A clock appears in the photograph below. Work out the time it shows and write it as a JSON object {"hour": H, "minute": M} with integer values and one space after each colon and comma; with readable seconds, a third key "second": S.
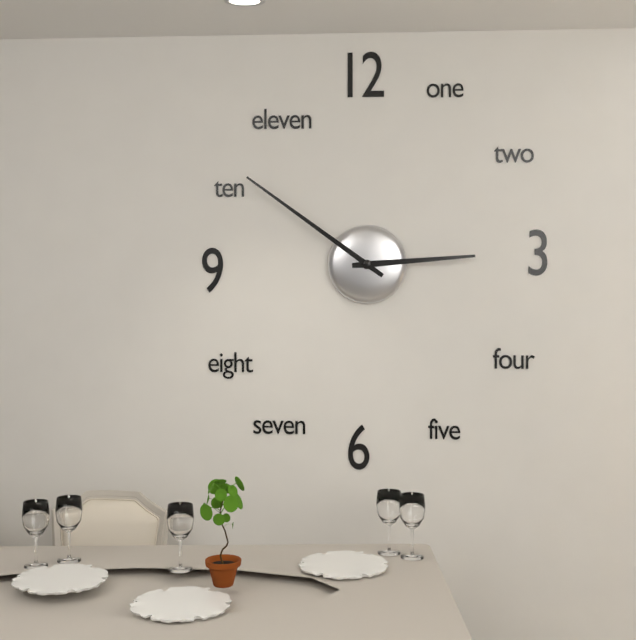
{"hour": 2, "minute": 51}
